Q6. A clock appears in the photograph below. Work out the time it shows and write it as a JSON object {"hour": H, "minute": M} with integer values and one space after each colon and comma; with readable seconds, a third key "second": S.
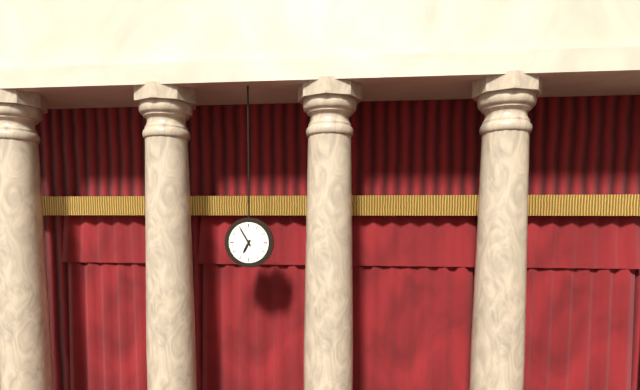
{"hour": 6, "minute": 55}
